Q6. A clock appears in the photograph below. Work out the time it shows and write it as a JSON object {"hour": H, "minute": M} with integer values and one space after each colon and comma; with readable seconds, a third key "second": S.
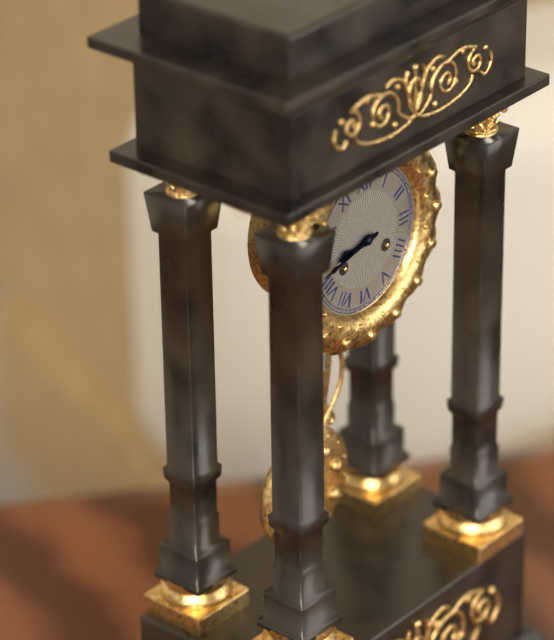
{"hour": 8, "minute": 43}
